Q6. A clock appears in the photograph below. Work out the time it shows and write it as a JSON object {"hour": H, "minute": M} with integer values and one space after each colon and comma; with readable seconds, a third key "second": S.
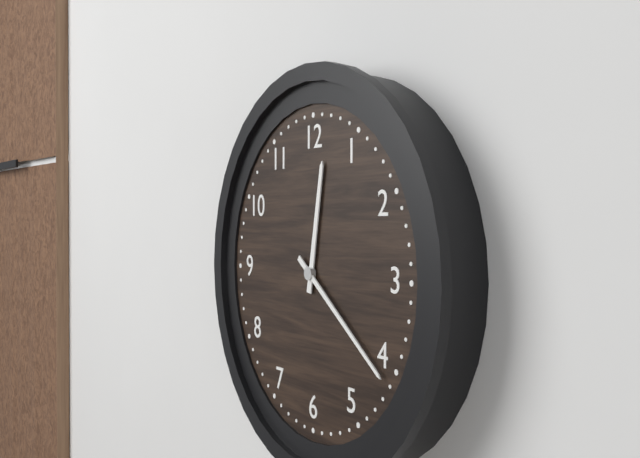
{"hour": 12, "minute": 21}
